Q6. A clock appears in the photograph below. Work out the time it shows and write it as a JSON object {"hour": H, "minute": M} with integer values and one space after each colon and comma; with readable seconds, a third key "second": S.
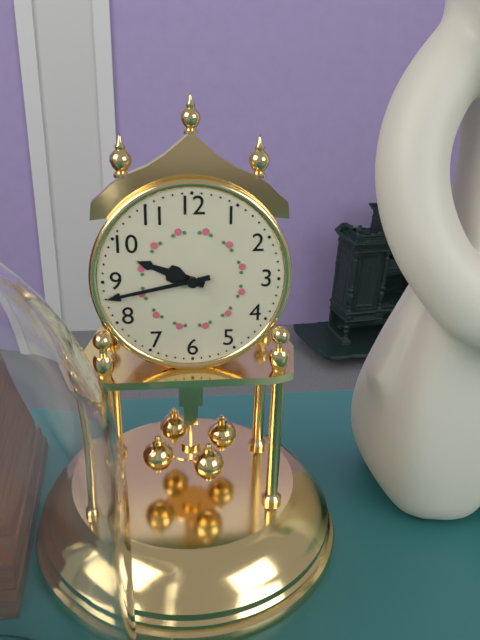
{"hour": 9, "minute": 43}
